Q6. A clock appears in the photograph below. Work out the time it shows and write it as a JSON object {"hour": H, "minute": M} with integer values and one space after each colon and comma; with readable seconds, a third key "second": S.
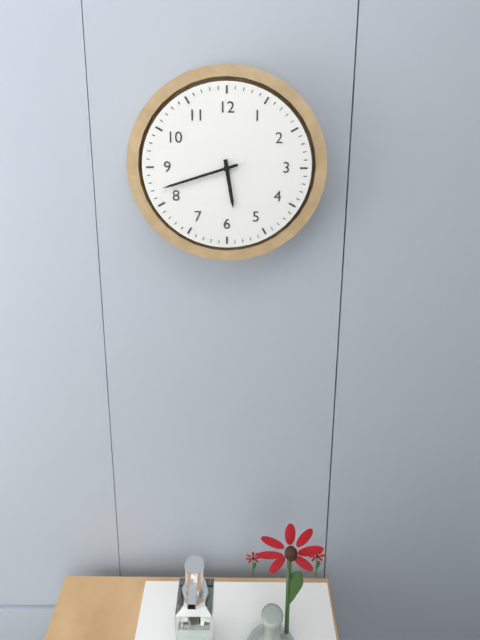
{"hour": 5, "minute": 42}
